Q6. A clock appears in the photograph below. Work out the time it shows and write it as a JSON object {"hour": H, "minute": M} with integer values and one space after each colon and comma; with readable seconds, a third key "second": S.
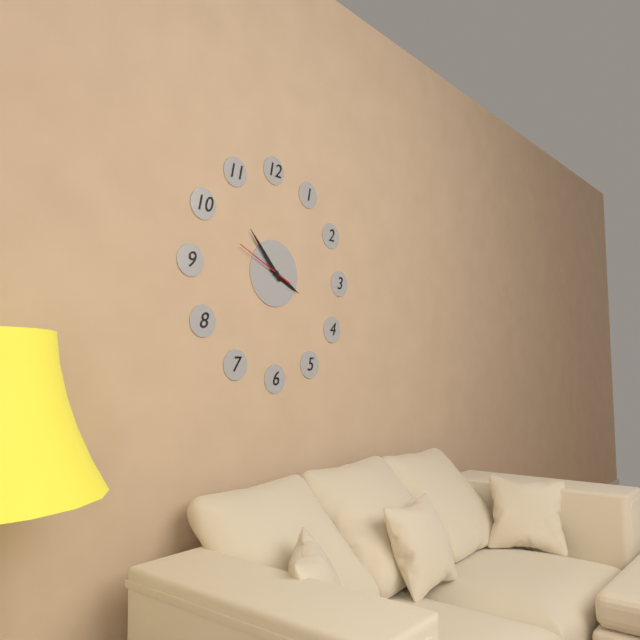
{"hour": 3, "minute": 53, "second": 49}
